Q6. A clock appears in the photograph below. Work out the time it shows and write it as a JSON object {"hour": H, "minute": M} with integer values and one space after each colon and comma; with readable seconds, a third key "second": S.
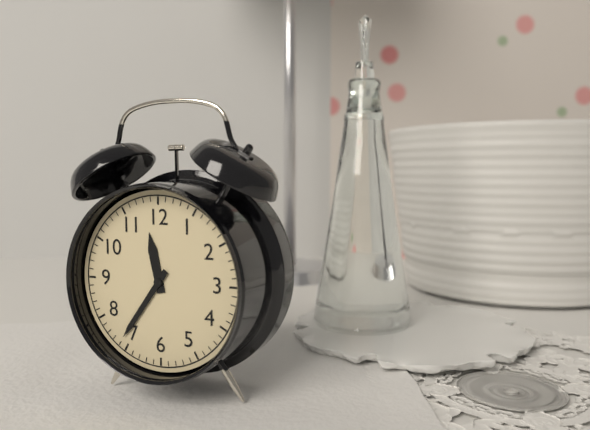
{"hour": 11, "minute": 36}
